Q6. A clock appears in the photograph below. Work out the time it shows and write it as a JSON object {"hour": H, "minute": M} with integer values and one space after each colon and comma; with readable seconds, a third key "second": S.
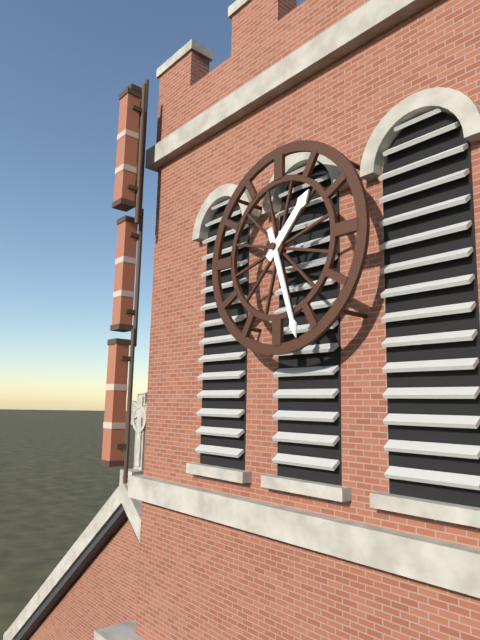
{"hour": 1, "minute": 27}
